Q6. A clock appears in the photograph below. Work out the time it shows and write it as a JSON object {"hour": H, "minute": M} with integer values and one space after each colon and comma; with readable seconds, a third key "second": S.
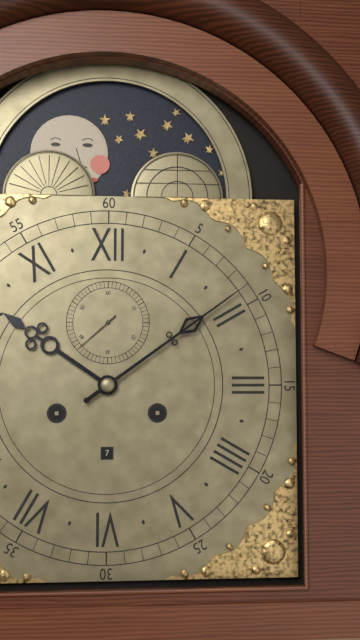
{"hour": 10, "minute": 9}
